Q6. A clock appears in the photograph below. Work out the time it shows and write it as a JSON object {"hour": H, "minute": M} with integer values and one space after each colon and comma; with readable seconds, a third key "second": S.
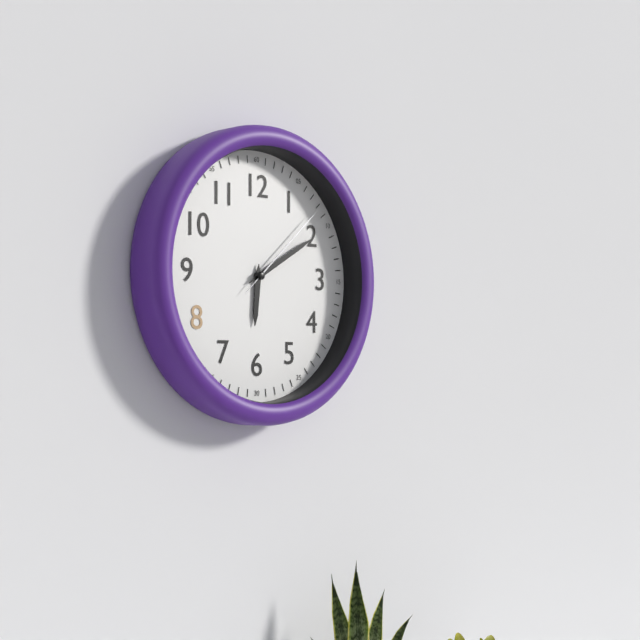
{"hour": 6, "minute": 10, "second": 8}
